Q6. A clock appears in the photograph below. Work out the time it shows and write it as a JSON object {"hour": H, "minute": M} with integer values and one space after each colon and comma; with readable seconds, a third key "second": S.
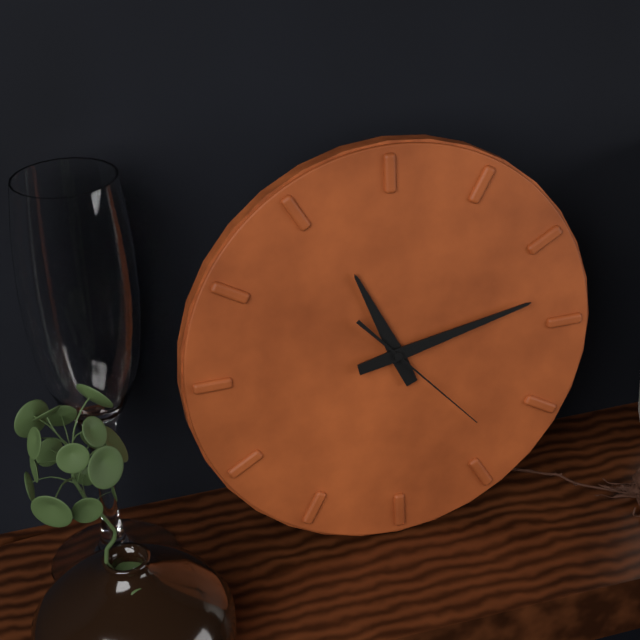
{"hour": 11, "minute": 13, "second": 23}
